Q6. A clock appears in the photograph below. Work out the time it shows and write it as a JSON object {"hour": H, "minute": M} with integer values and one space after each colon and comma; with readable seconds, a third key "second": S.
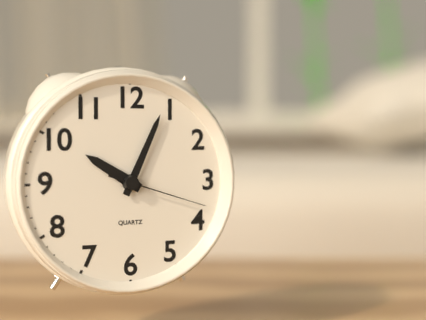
{"hour": 10, "minute": 4, "second": 18}
